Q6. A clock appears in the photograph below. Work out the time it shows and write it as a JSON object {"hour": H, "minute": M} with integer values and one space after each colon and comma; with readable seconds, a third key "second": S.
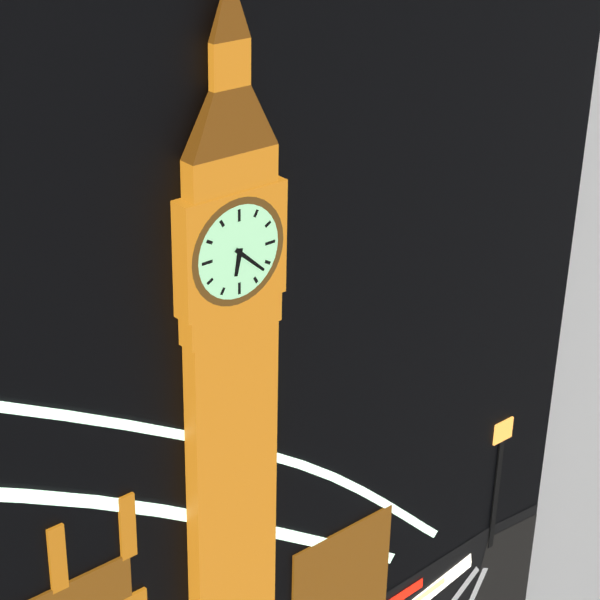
{"hour": 6, "minute": 22}
